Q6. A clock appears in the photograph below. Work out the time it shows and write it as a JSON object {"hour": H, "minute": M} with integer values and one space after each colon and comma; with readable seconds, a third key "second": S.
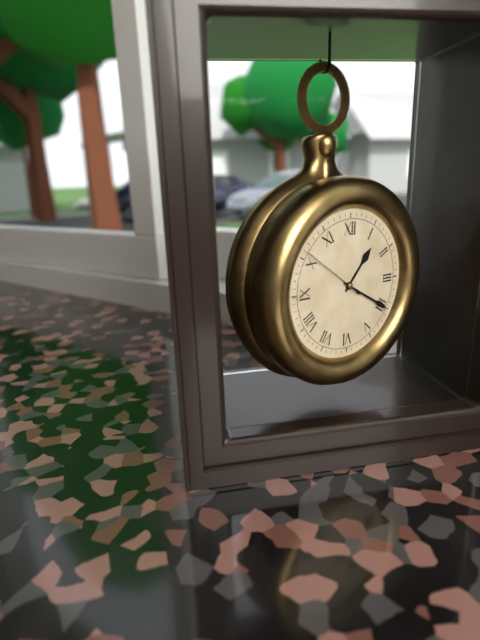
{"hour": 1, "minute": 20}
